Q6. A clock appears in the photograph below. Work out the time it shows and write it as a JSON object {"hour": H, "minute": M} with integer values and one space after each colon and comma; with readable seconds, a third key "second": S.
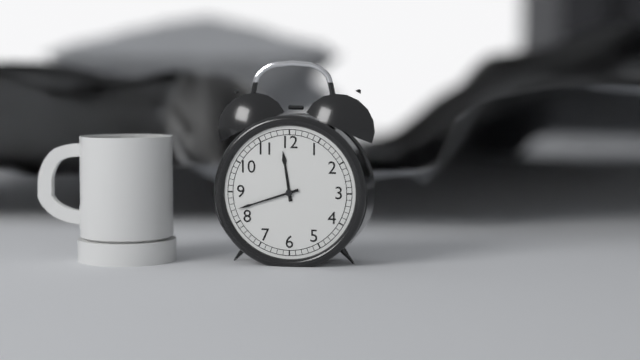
{"hour": 11, "minute": 42}
